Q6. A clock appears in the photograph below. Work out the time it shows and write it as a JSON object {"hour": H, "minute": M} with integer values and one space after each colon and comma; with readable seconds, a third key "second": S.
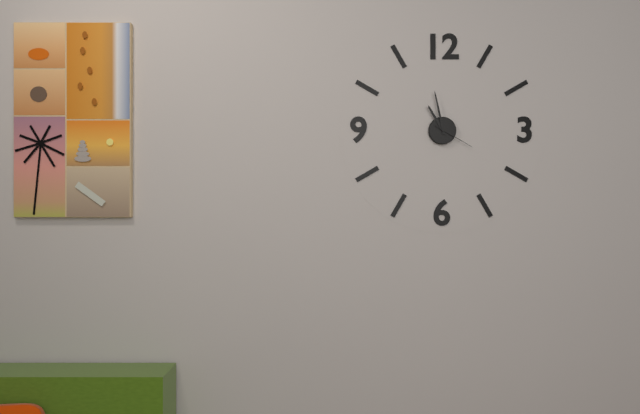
{"hour": 10, "minute": 58}
